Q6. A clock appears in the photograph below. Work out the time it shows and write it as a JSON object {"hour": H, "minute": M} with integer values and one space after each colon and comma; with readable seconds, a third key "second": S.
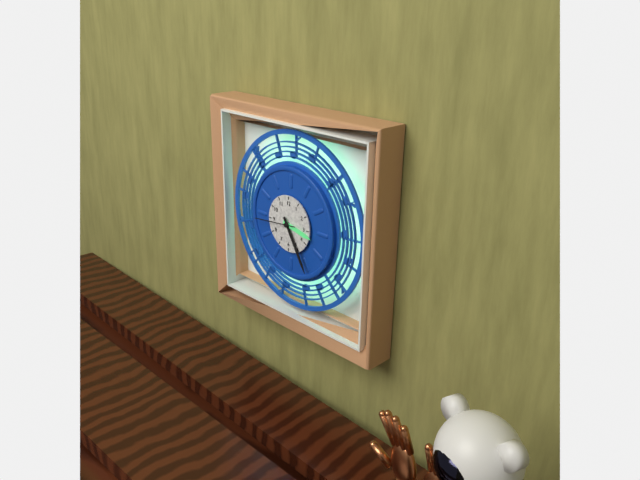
{"hour": 3, "minute": 25}
